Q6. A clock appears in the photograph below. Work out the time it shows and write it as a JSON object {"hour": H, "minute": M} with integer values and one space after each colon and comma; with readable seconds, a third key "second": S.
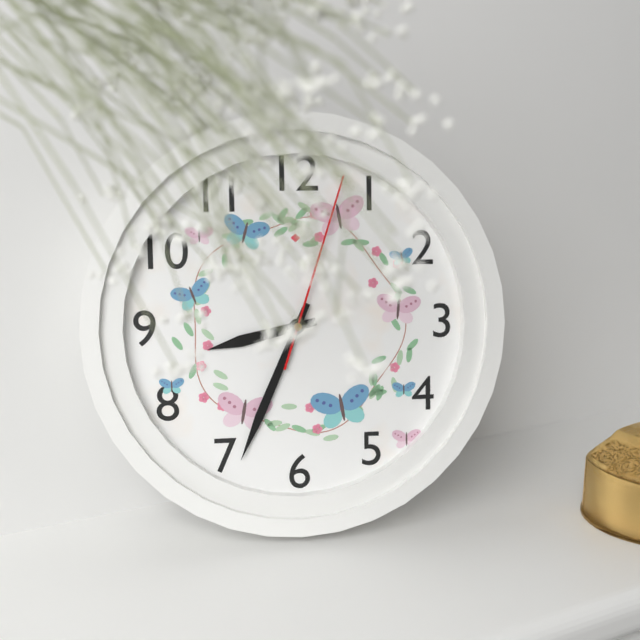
{"hour": 8, "minute": 34, "second": 3}
